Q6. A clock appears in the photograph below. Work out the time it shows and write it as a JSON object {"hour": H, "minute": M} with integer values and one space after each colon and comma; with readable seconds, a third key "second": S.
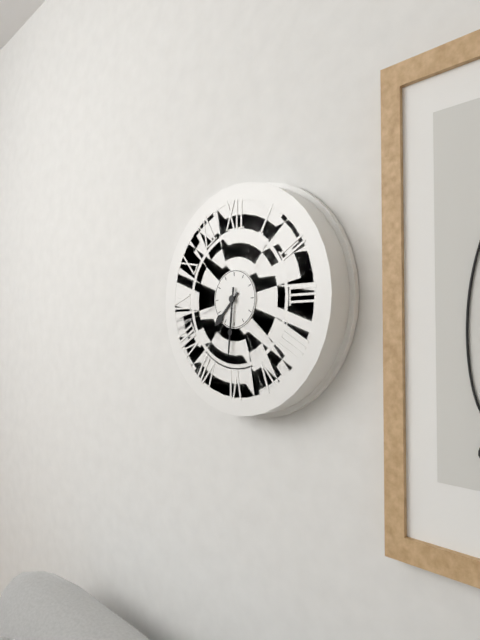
{"hour": 7, "minute": 31}
